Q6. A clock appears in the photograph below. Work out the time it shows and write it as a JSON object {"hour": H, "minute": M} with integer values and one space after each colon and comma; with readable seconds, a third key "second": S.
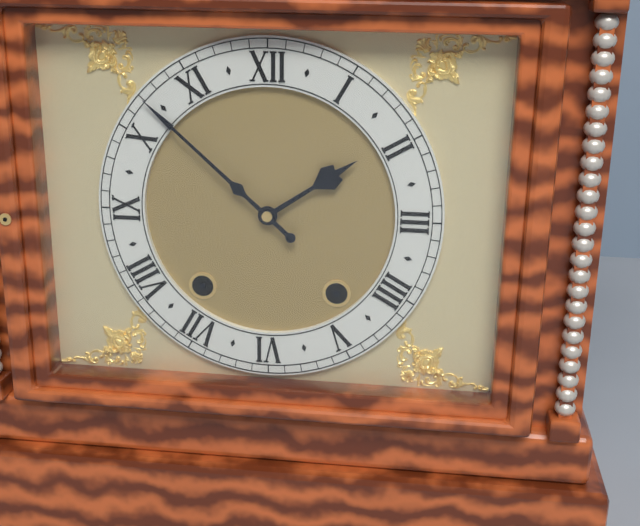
{"hour": 1, "minute": 52}
